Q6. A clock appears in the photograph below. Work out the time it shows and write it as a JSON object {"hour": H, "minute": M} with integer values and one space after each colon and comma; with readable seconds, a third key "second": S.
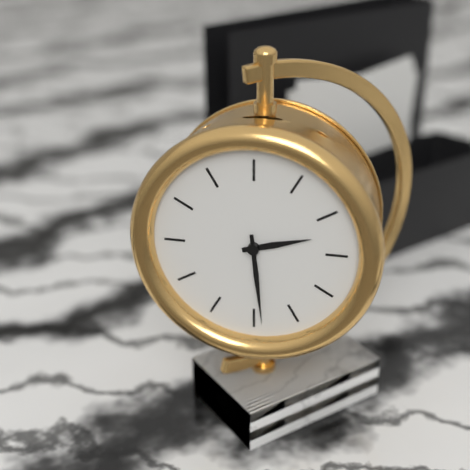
{"hour": 2, "minute": 29}
